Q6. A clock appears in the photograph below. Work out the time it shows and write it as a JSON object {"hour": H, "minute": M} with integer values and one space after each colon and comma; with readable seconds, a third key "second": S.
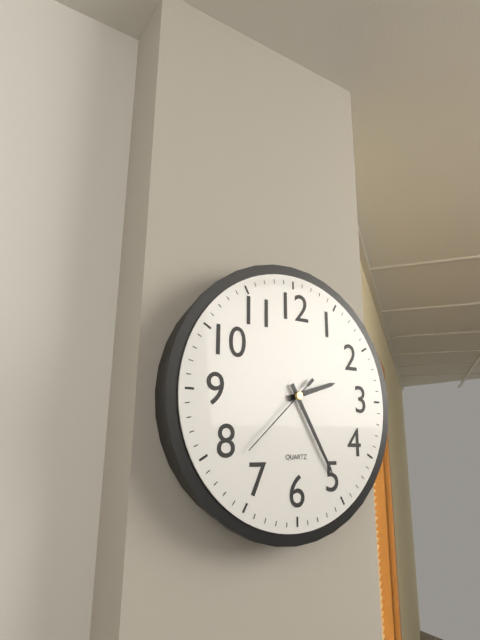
{"hour": 2, "minute": 25, "second": 38}
